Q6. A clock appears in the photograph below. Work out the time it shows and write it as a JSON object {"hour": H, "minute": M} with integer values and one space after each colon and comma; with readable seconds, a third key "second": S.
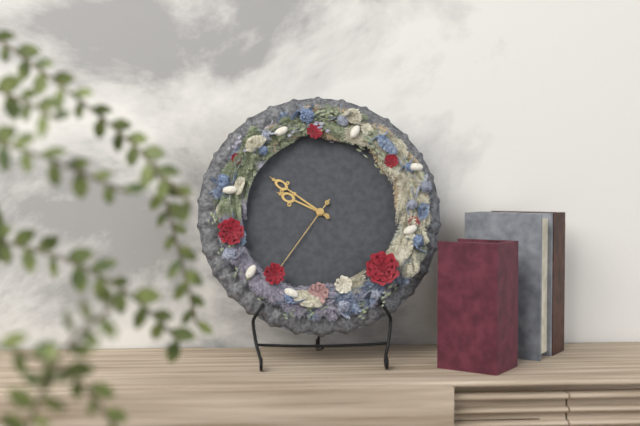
{"hour": 9, "minute": 51, "second": 36}
